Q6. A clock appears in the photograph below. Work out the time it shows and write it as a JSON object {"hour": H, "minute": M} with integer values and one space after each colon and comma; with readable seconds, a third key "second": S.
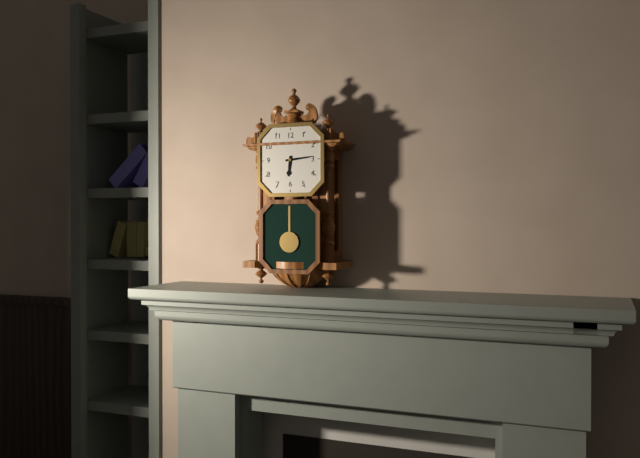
{"hour": 6, "minute": 14}
